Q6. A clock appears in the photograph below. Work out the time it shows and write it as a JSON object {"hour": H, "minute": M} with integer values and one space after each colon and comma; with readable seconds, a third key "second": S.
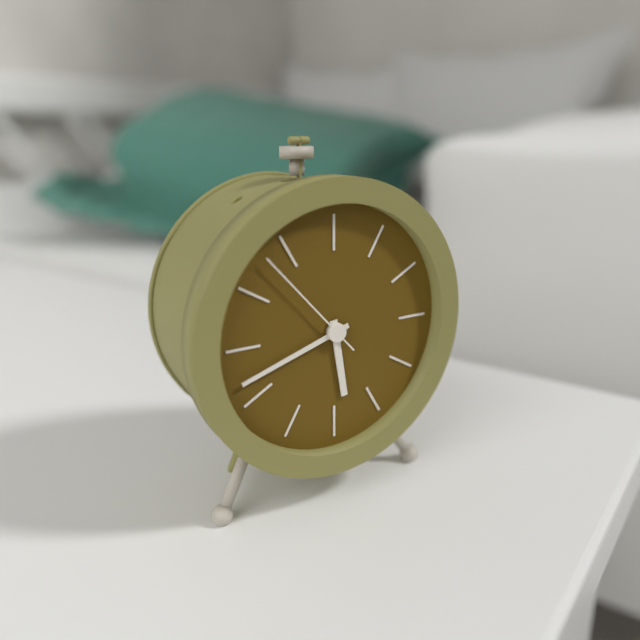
{"hour": 5, "minute": 42, "second": 53}
